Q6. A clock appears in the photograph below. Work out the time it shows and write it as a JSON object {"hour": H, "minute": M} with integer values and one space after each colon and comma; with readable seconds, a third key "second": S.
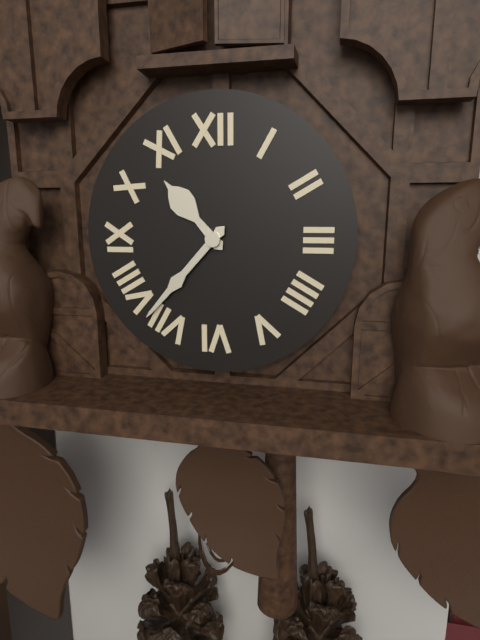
{"hour": 10, "minute": 37}
